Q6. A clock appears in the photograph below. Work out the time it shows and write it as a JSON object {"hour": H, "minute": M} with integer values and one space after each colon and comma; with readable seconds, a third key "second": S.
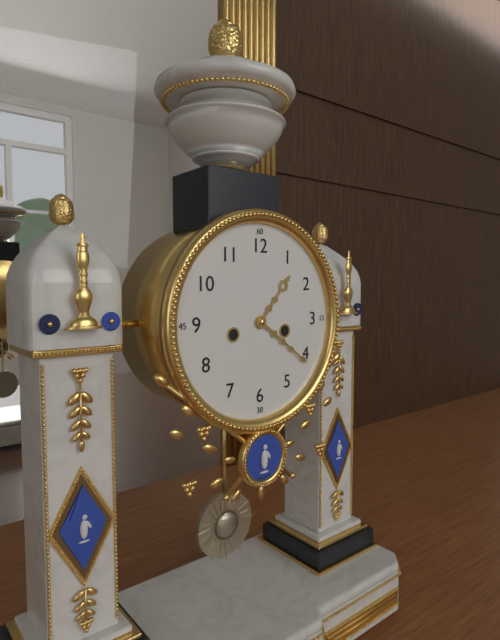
{"hour": 1, "minute": 21}
